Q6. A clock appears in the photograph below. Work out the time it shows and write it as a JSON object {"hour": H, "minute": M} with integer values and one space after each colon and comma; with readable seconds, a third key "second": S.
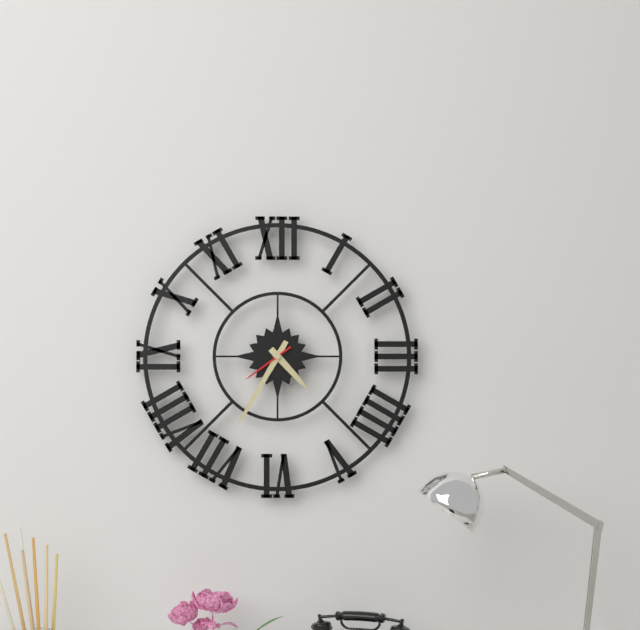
{"hour": 4, "minute": 35, "second": 39}
